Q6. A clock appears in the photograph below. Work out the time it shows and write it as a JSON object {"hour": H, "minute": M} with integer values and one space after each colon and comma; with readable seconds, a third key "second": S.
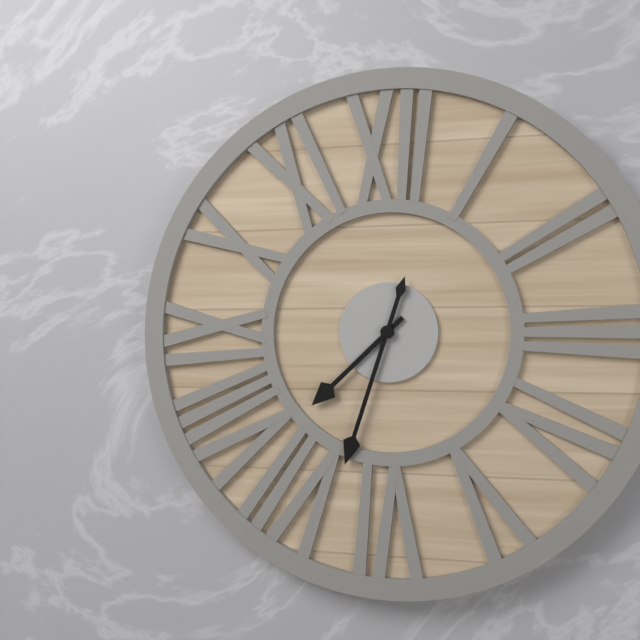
{"hour": 7, "minute": 33}
